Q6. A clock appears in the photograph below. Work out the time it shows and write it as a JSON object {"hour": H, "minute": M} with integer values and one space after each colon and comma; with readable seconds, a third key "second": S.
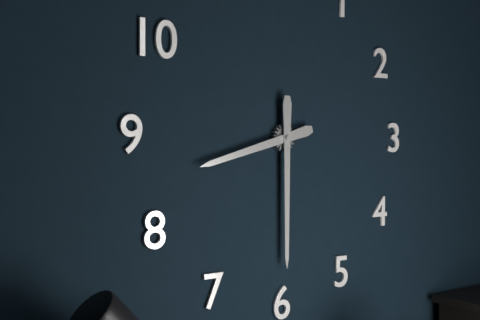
{"hour": 8, "minute": 30}
